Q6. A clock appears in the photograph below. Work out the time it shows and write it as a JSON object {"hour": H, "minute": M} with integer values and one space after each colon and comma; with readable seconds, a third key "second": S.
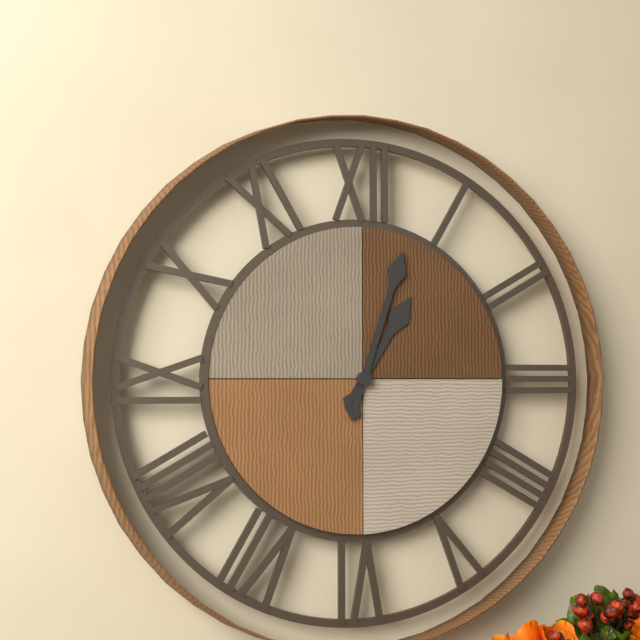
{"hour": 1, "minute": 3}
